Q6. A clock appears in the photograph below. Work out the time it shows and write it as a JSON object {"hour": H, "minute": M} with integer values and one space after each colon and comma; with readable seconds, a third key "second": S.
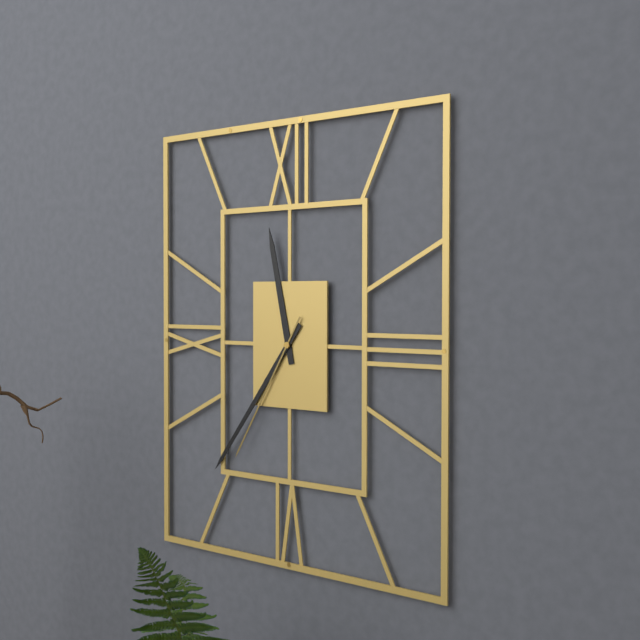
{"hour": 11, "minute": 36, "second": 35}
